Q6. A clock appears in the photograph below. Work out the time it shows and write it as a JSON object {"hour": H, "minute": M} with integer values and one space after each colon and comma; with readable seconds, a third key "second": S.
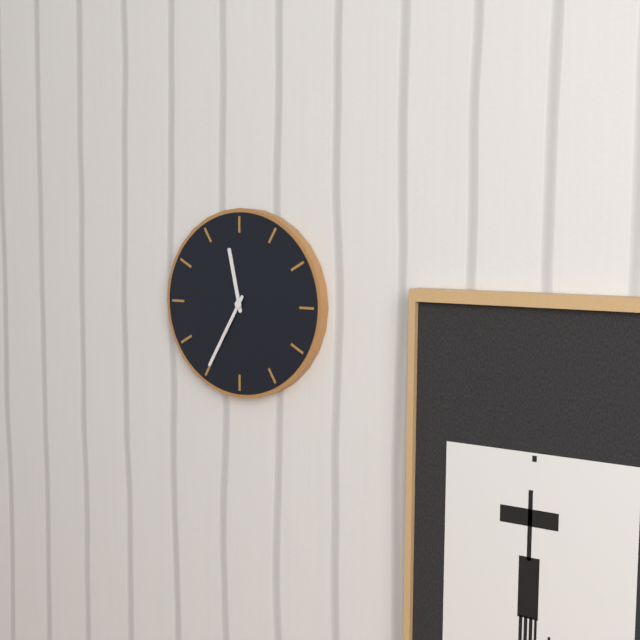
{"hour": 11, "minute": 35}
